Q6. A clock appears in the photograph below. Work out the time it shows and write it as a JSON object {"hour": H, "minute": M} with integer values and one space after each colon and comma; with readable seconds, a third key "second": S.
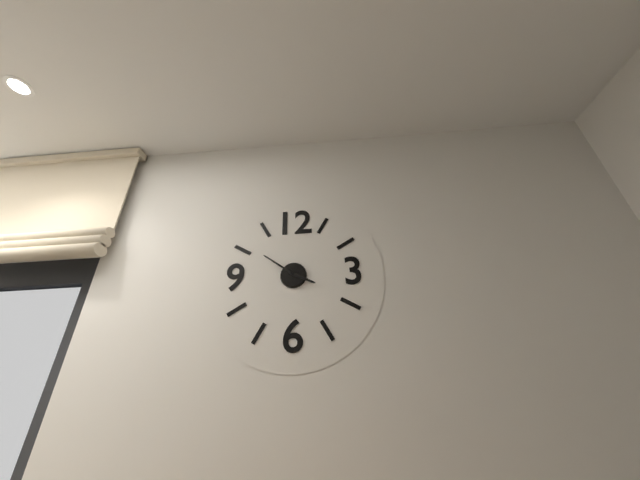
{"hour": 3, "minute": 51}
